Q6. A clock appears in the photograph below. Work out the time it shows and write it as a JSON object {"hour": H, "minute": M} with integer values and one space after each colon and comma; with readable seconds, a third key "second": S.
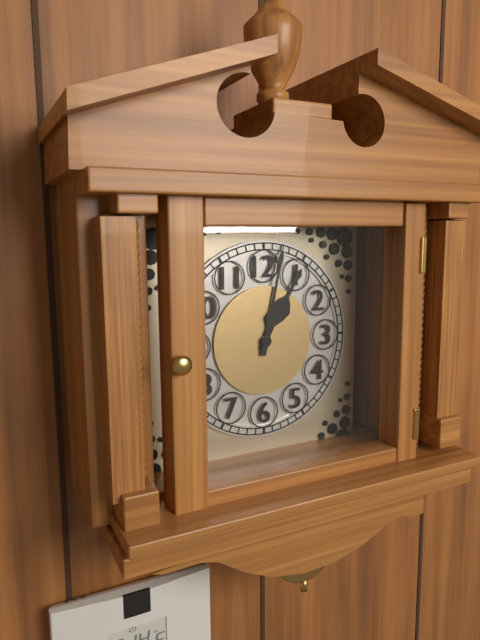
{"hour": 1, "minute": 2}
